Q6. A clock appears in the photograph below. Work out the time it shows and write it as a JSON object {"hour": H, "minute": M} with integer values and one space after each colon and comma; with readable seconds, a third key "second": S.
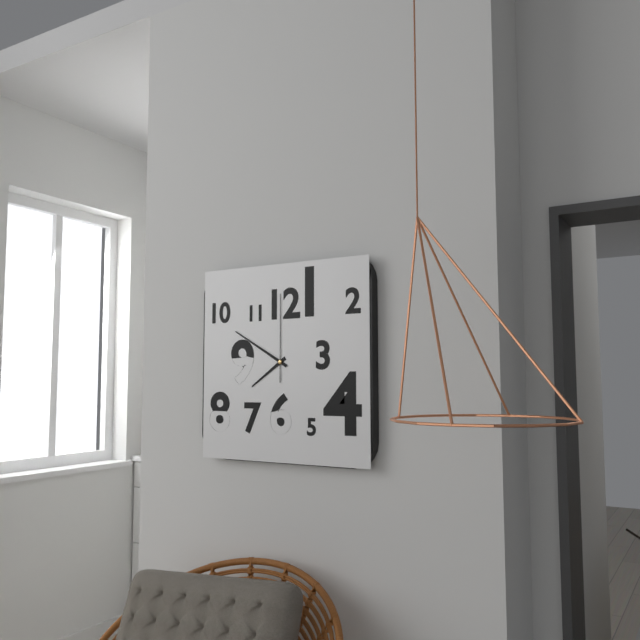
{"hour": 7, "minute": 50, "second": 0}
